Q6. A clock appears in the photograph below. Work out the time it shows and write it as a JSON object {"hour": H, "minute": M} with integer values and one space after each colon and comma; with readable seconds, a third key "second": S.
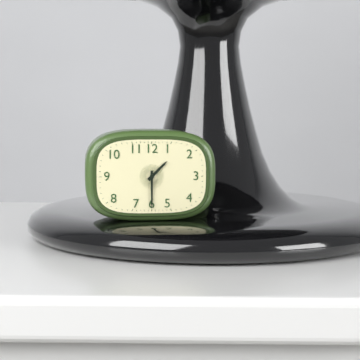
{"hour": 1, "minute": 30}
